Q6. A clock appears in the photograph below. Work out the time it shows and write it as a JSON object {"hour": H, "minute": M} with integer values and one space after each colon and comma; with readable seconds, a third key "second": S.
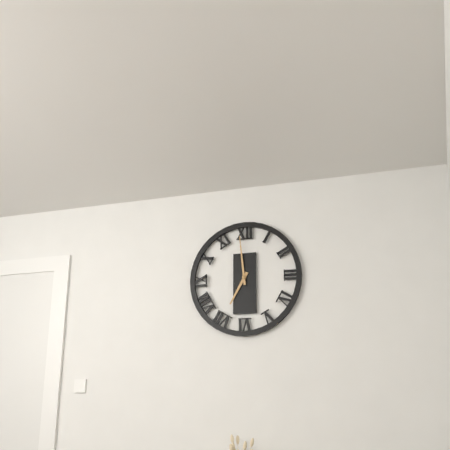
{"hour": 6, "minute": 59}
